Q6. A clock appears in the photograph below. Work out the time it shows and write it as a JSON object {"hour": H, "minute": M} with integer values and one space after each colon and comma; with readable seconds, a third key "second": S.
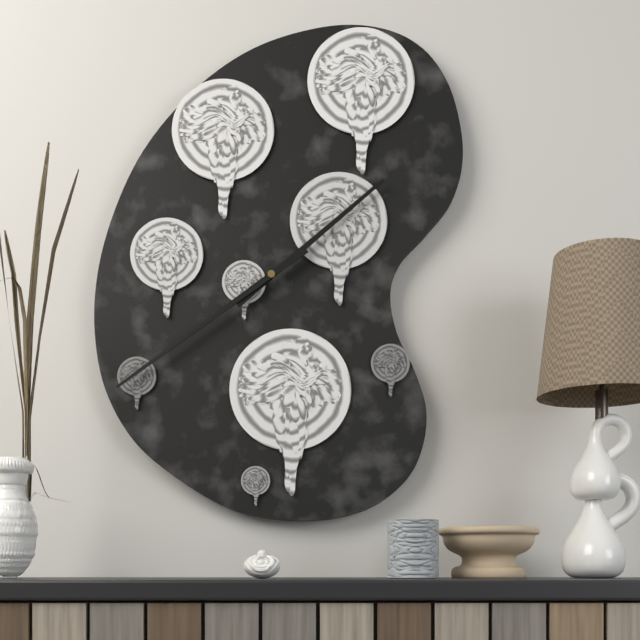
{"hour": 1, "minute": 39}
